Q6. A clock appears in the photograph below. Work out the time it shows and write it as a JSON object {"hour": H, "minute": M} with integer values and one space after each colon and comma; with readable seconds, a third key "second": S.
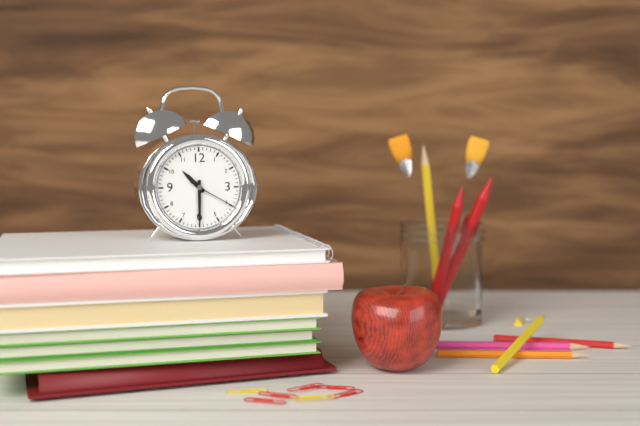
{"hour": 10, "minute": 30, "second": 20}
